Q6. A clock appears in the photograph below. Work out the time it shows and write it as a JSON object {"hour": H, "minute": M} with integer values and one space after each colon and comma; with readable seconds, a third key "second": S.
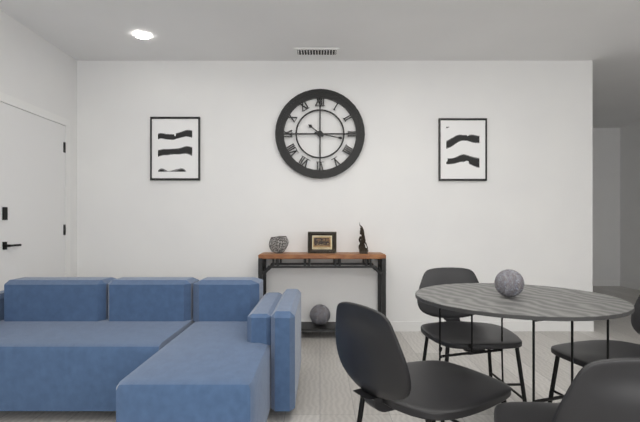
{"hour": 10, "minute": 17}
